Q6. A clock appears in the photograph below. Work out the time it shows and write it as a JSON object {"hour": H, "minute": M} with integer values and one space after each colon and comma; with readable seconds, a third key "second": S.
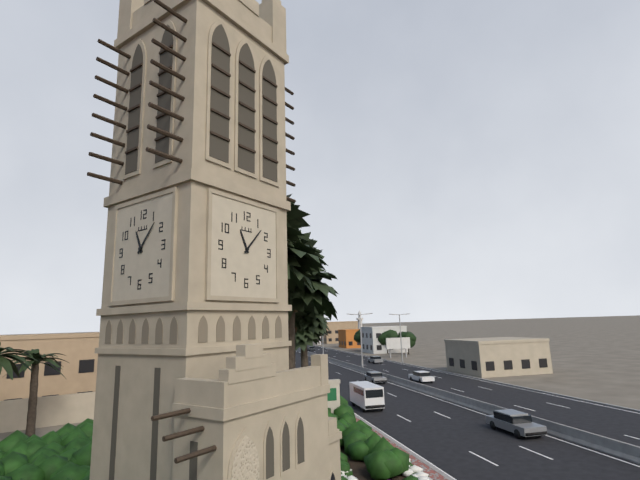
{"hour": 11, "minute": 7}
